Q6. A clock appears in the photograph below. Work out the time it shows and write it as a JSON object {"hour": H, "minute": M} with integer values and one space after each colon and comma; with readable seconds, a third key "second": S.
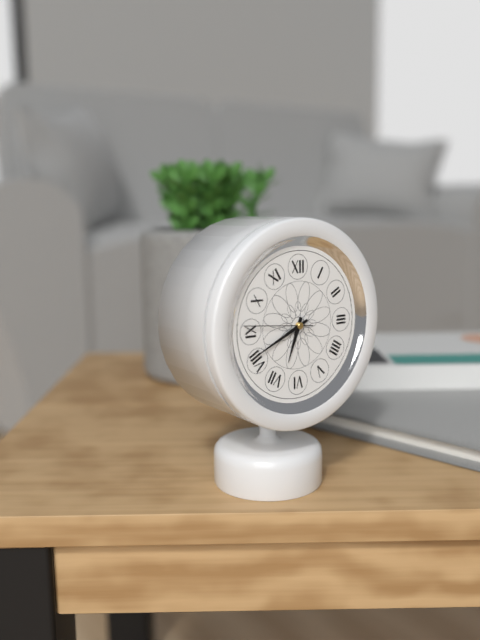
{"hour": 6, "minute": 41, "second": 46}
